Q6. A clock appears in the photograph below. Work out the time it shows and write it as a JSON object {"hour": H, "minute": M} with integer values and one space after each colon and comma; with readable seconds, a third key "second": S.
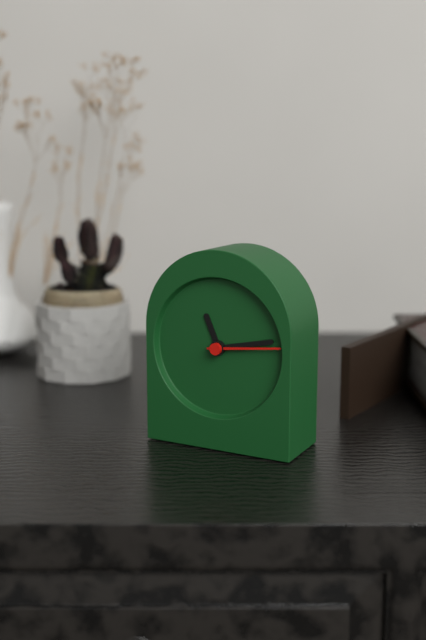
{"hour": 11, "minute": 13, "second": 14}
